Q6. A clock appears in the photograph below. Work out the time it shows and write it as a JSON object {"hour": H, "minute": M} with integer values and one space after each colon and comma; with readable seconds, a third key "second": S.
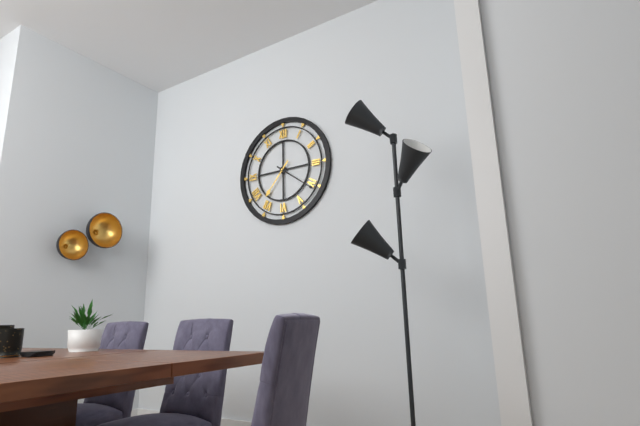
{"hour": 7, "minute": 21}
